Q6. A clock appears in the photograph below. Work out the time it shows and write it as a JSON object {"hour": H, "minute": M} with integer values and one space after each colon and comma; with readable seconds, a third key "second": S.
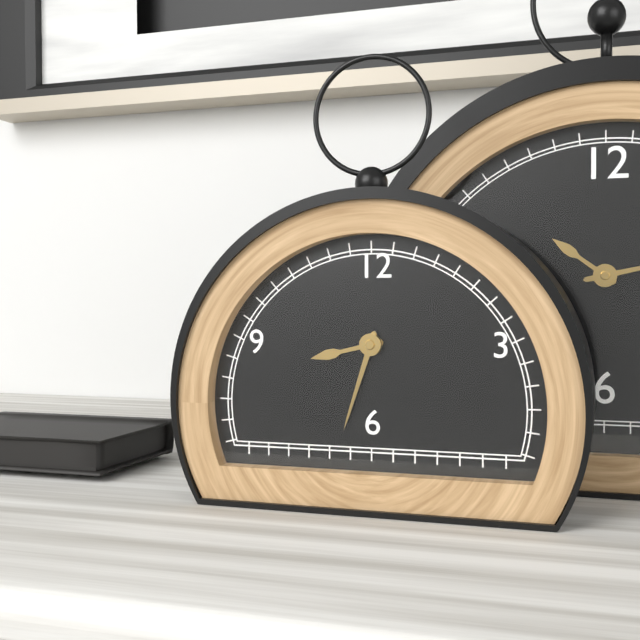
{"hour": 8, "minute": 33}
